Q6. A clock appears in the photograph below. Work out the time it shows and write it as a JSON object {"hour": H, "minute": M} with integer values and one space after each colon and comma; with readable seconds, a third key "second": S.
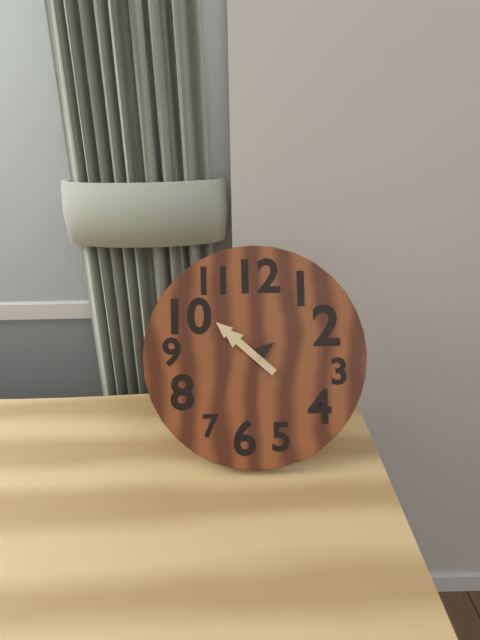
{"hour": 1, "minute": 52}
